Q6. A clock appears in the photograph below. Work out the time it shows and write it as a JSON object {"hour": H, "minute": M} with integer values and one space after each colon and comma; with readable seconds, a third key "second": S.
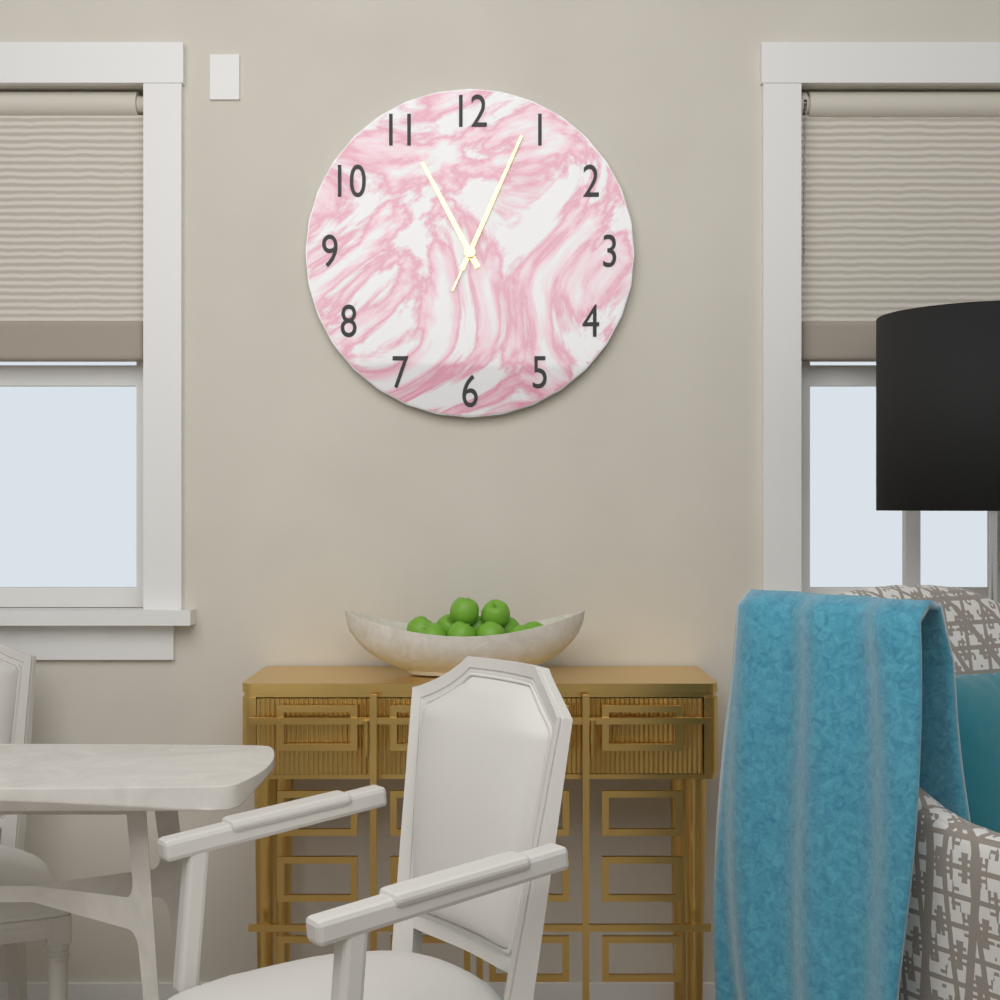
{"hour": 11, "minute": 4, "second": 4}
